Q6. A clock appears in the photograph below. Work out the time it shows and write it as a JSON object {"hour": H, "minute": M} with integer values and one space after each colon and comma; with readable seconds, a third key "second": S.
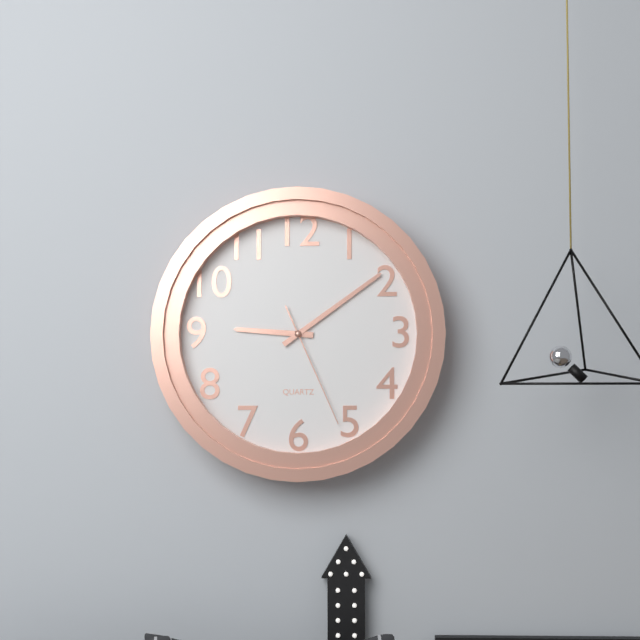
{"hour": 9, "minute": 9, "second": 26}
